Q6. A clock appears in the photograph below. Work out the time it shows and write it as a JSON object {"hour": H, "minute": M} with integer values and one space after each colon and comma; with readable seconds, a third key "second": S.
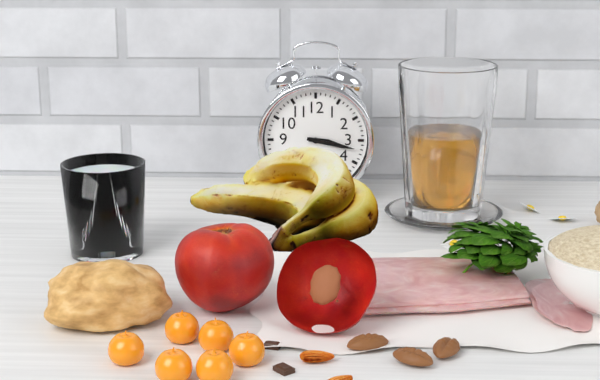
{"hour": 3, "minute": 17}
